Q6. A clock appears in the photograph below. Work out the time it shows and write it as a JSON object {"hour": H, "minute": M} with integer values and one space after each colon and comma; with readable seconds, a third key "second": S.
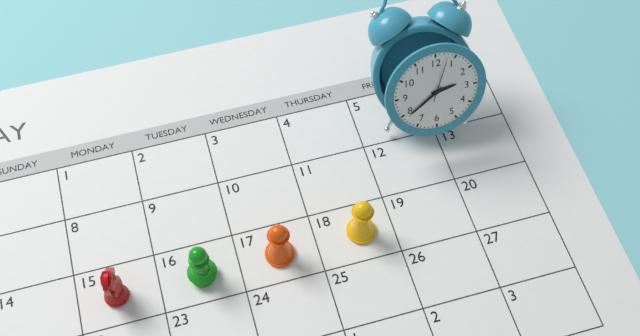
{"hour": 2, "minute": 39}
